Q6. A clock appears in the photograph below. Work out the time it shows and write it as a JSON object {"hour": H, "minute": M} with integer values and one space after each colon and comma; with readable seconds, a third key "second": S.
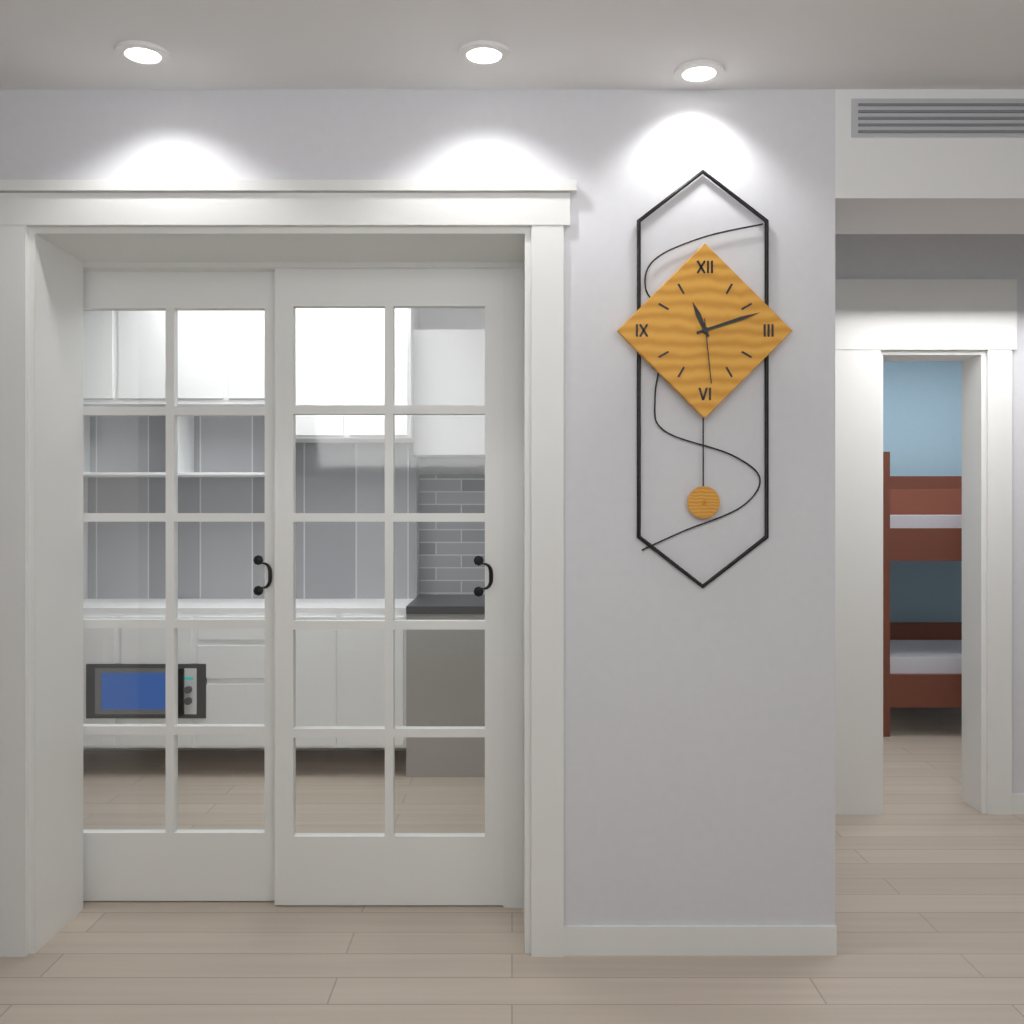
{"hour": 11, "minute": 12, "second": 29}
